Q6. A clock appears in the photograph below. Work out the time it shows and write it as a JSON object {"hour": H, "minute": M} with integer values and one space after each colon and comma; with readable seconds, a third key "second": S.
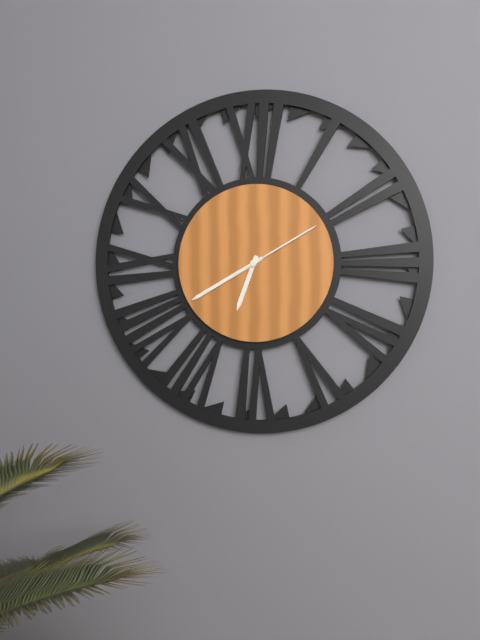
{"hour": 6, "minute": 40, "second": 10}
